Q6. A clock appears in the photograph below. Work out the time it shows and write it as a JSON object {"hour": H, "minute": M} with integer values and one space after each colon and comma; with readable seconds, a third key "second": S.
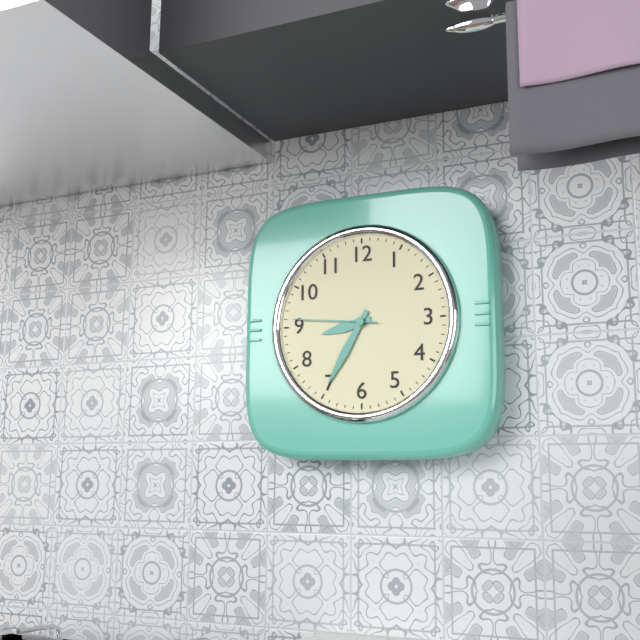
{"hour": 8, "minute": 35, "second": 46}
